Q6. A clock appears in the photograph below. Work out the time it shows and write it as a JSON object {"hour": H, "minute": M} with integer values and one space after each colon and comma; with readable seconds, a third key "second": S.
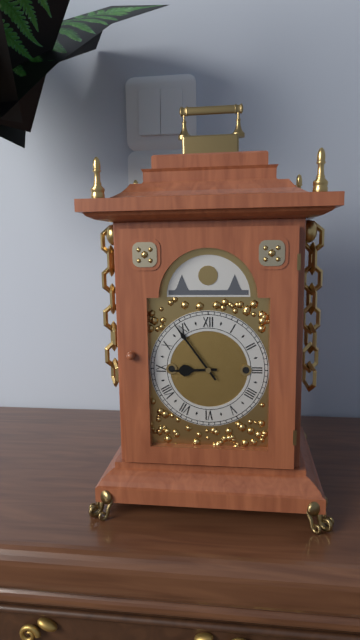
{"hour": 8, "minute": 54}
